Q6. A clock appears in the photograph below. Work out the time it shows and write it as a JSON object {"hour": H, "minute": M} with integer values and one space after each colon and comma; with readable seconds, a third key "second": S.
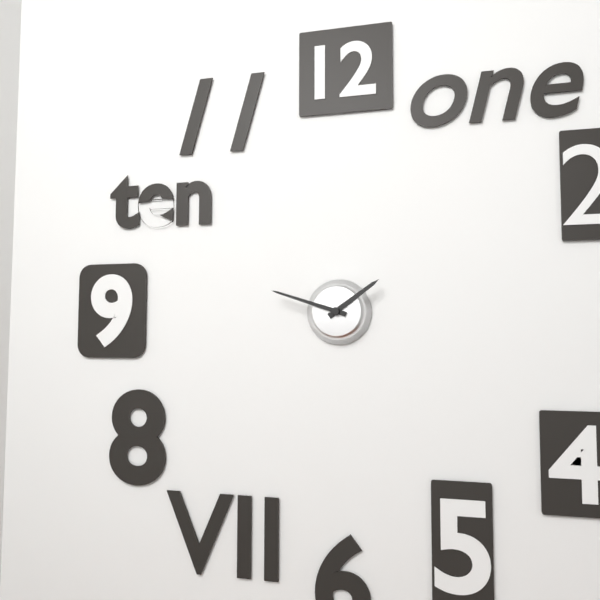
{"hour": 1, "minute": 48}
